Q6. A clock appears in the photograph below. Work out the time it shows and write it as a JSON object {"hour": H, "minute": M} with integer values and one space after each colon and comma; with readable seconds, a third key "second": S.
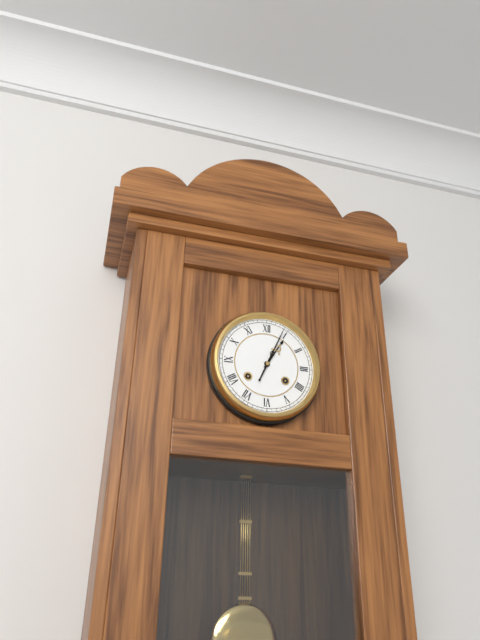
{"hour": 1, "minute": 4}
